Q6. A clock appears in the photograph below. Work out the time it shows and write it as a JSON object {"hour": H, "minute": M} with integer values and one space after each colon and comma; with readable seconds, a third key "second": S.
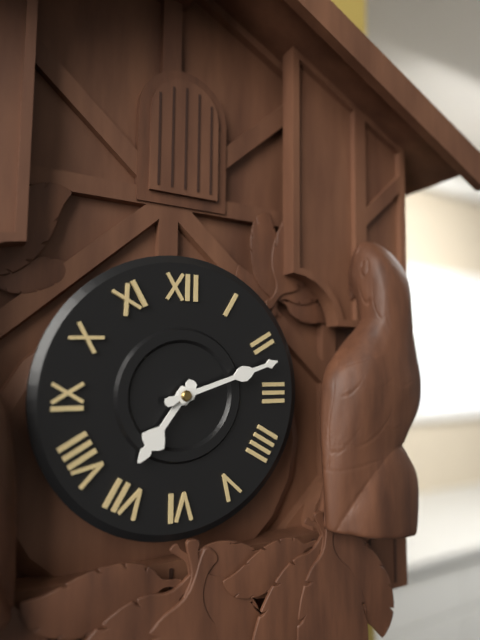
{"hour": 7, "minute": 12}
